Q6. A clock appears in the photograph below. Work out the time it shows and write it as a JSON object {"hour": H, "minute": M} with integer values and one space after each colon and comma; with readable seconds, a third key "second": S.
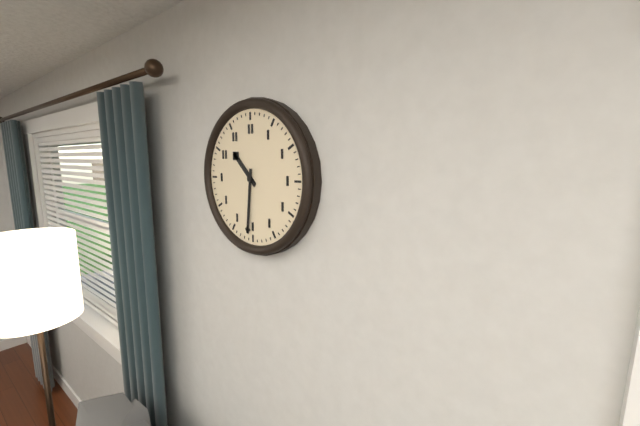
{"hour": 10, "minute": 31}
